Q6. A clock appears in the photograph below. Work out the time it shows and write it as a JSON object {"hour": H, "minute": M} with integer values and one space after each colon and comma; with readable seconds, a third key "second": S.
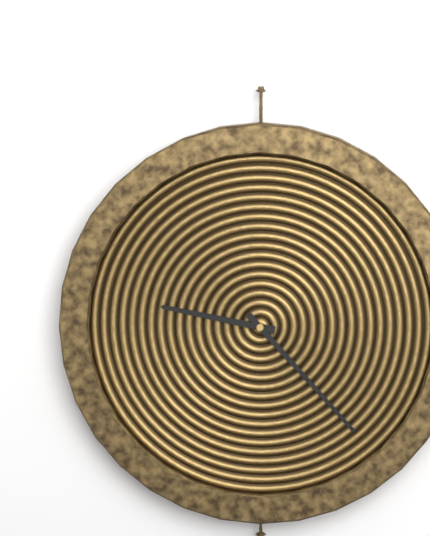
{"hour": 9, "minute": 23}
